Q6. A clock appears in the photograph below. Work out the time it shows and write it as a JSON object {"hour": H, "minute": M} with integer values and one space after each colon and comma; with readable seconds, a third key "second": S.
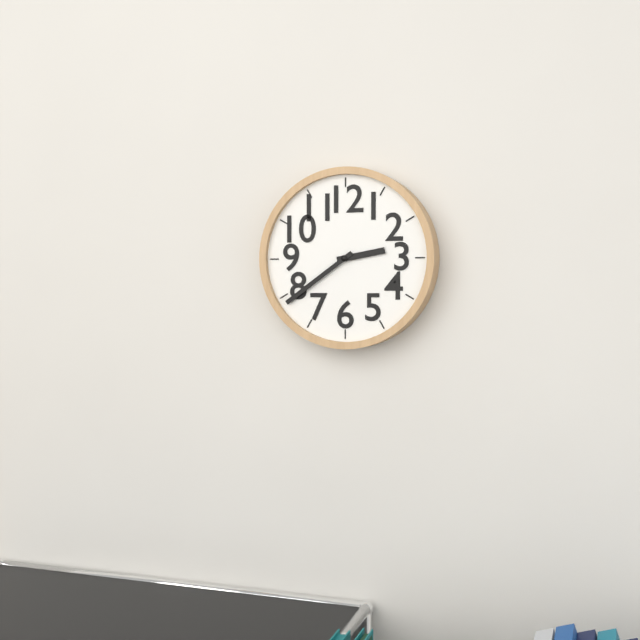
{"hour": 2, "minute": 39}
